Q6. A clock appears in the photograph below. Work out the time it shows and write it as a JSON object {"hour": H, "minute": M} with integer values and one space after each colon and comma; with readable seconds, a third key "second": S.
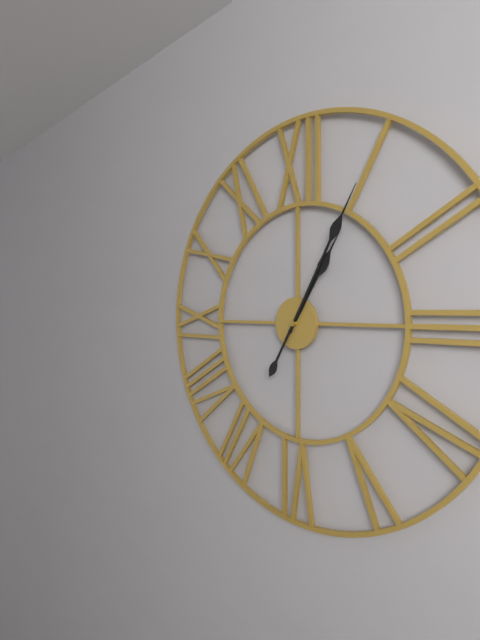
{"hour": 1, "minute": 5}
